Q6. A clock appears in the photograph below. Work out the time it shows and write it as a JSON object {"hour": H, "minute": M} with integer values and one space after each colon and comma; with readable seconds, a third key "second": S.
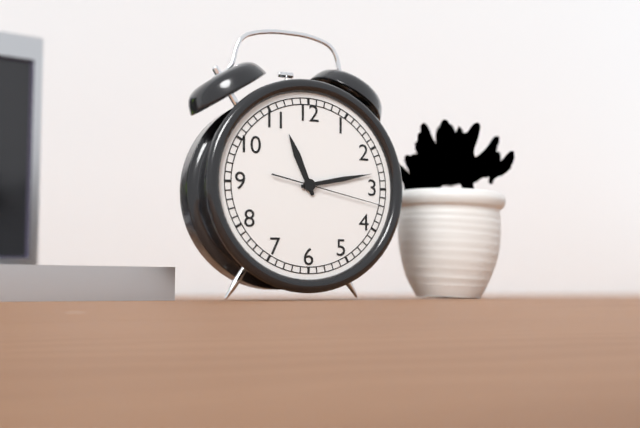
{"hour": 11, "minute": 13, "second": 17}
